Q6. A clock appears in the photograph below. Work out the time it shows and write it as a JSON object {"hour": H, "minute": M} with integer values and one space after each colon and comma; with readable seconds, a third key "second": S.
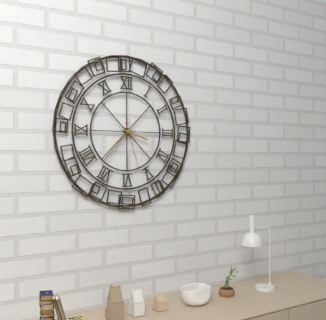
{"hour": 3, "minute": 37}
